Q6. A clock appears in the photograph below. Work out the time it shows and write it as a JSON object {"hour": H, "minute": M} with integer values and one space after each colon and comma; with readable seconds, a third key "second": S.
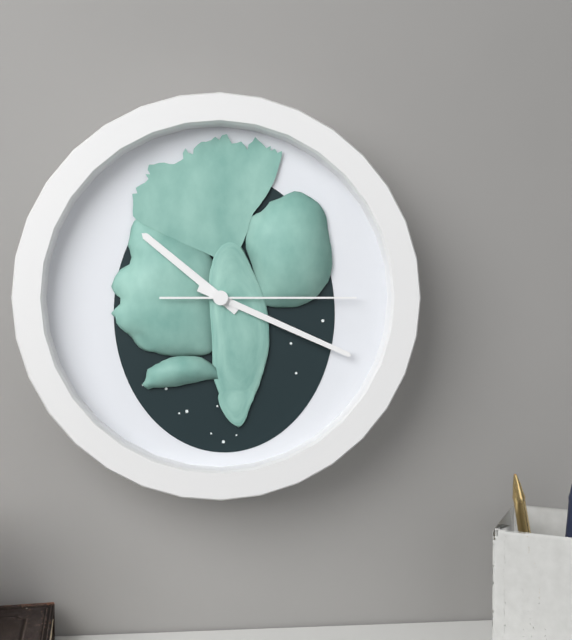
{"hour": 10, "minute": 19, "second": 15}
